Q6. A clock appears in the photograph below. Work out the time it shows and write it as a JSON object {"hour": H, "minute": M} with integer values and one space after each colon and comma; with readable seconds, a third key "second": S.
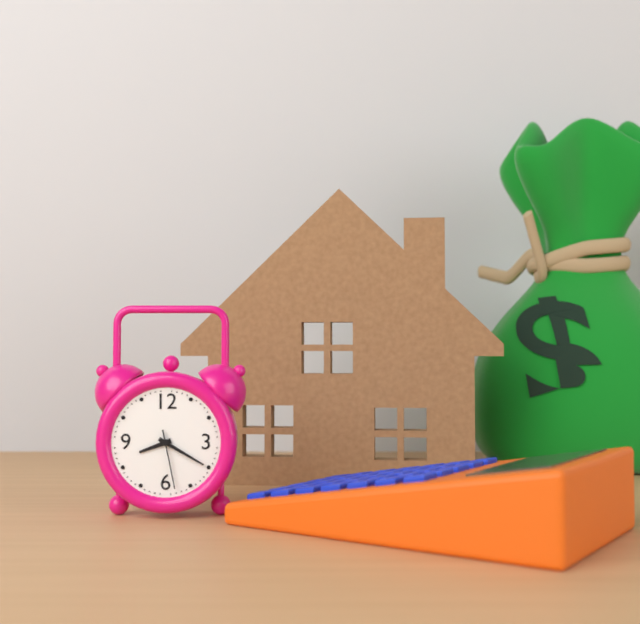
{"hour": 8, "minute": 20, "second": 28}
